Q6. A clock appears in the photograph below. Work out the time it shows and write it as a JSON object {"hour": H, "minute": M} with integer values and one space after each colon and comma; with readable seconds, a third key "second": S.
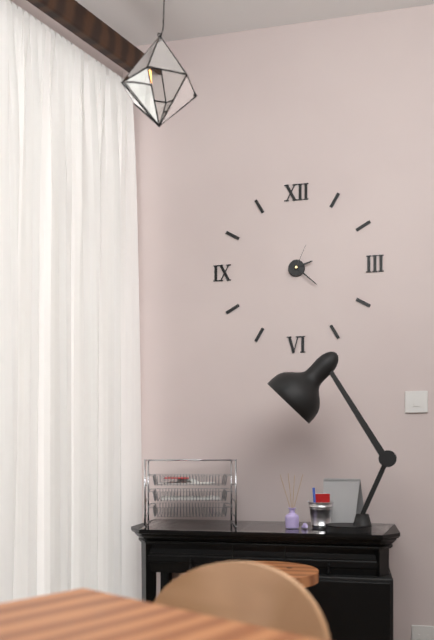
{"hour": 2, "minute": 22}
